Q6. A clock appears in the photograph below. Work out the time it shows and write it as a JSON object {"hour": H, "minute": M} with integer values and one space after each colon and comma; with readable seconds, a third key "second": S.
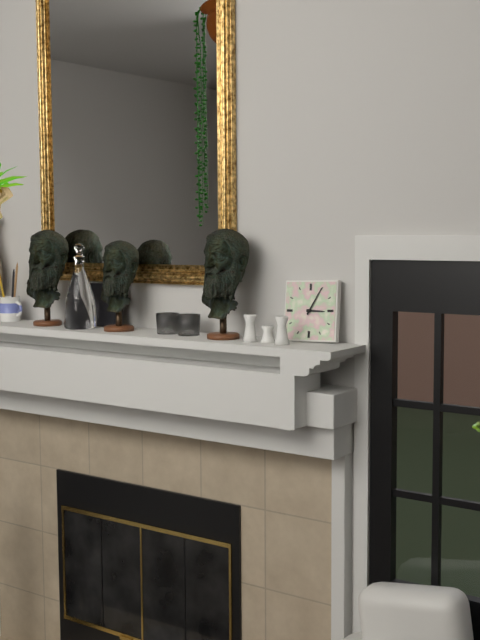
{"hour": 3, "minute": 5}
